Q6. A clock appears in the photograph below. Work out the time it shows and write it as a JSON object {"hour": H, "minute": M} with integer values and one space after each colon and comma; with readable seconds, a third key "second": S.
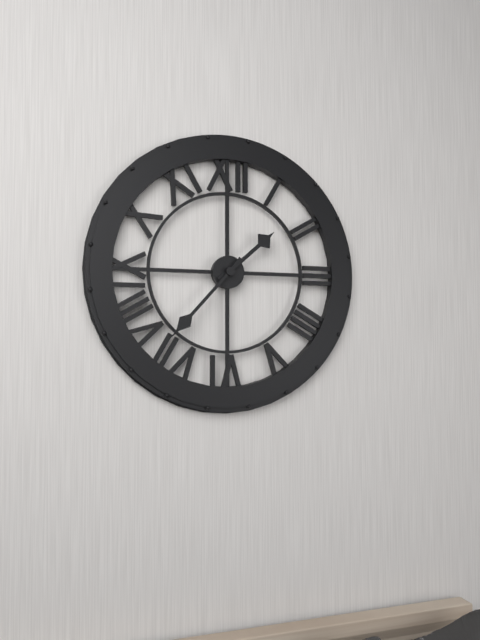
{"hour": 1, "minute": 37}
